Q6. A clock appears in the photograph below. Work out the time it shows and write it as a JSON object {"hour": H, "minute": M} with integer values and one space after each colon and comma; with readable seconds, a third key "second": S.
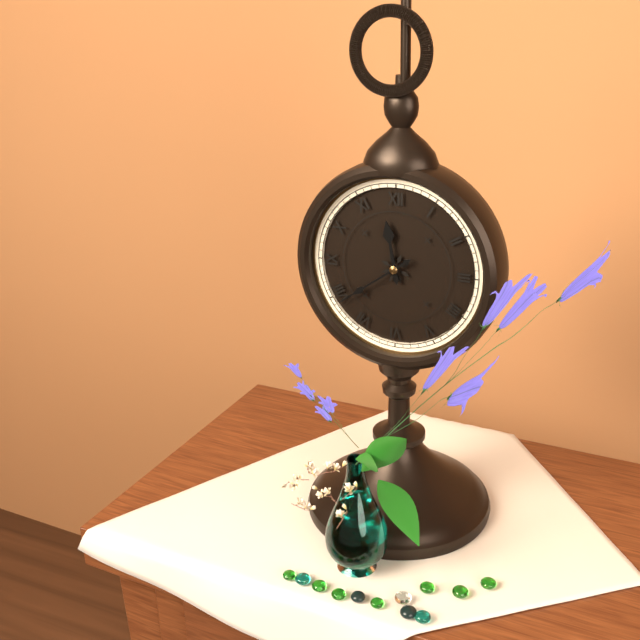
{"hour": 11, "minute": 39}
